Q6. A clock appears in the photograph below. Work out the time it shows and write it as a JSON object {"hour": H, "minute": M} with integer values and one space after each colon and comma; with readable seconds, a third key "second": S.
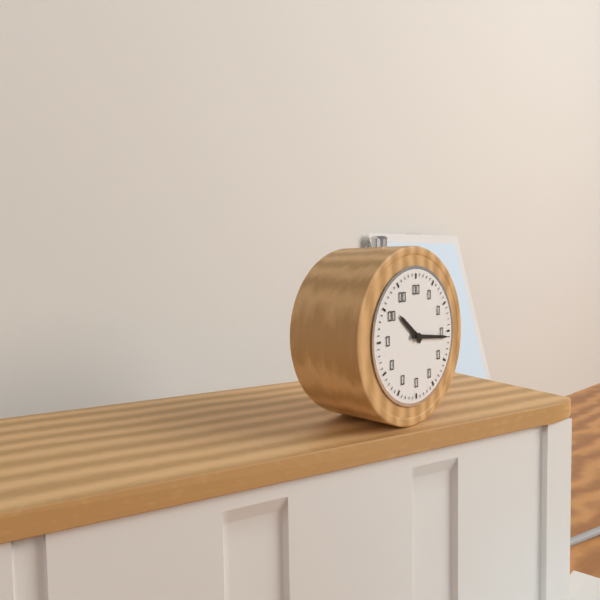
{"hour": 10, "minute": 16}
